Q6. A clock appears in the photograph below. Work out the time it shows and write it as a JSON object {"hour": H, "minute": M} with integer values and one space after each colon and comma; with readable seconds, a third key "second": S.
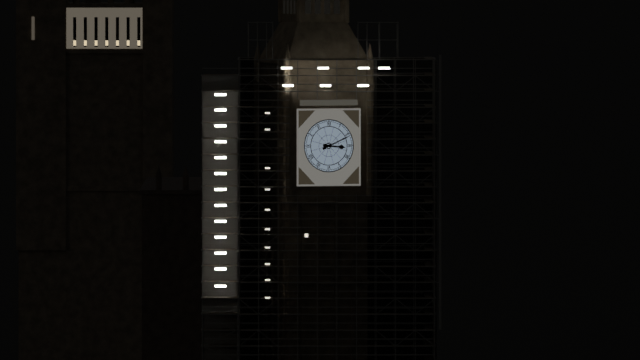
{"hour": 3, "minute": 11}
